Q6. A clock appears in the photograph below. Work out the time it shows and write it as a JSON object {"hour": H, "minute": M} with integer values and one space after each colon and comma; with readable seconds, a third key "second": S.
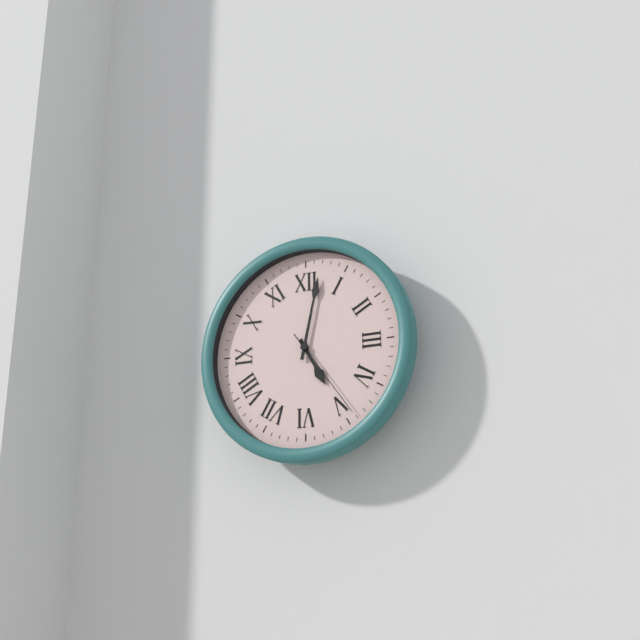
{"hour": 5, "minute": 2, "second": 24}
